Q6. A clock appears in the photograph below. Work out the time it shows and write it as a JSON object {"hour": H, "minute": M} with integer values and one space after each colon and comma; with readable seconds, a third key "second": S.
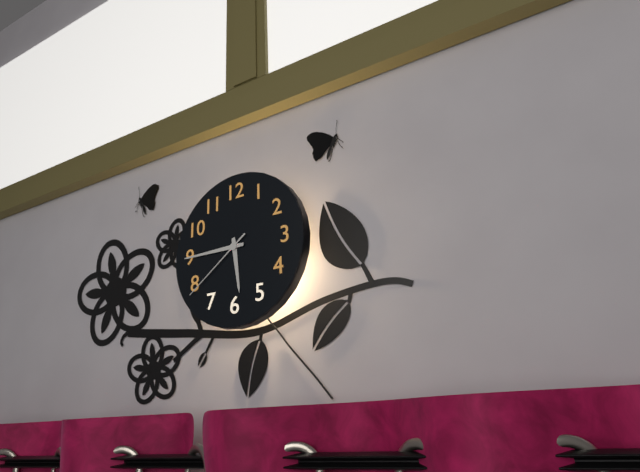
{"hour": 5, "minute": 45, "second": 39}
